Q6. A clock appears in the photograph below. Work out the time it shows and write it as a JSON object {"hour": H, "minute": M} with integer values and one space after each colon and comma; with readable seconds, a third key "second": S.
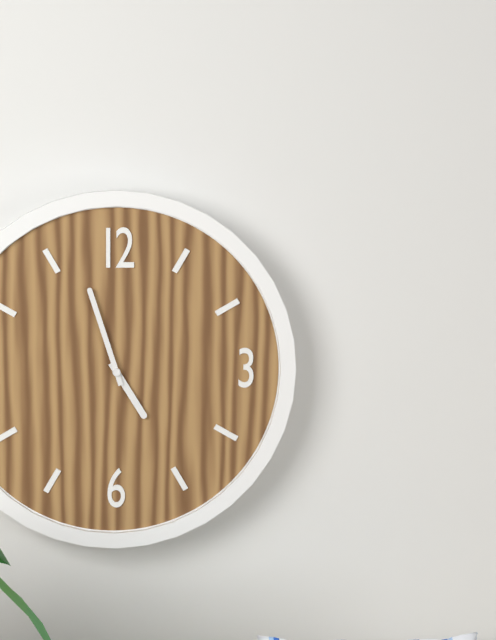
{"hour": 4, "minute": 57}
